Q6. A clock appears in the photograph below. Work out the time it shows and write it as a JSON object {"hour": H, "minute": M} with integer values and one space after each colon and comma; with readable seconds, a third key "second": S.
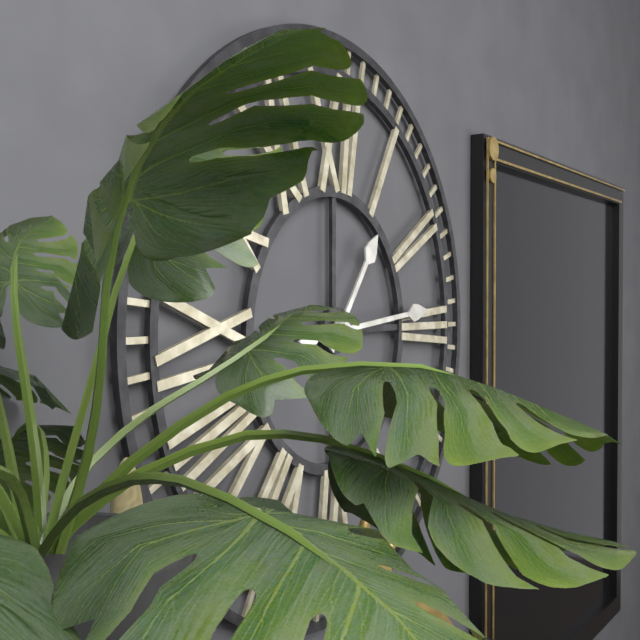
{"hour": 1, "minute": 14}
